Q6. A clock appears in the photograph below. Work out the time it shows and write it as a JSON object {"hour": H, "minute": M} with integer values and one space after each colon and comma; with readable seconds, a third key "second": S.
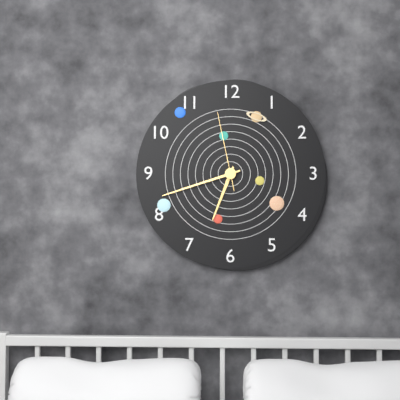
{"hour": 6, "minute": 42, "second": 58}
